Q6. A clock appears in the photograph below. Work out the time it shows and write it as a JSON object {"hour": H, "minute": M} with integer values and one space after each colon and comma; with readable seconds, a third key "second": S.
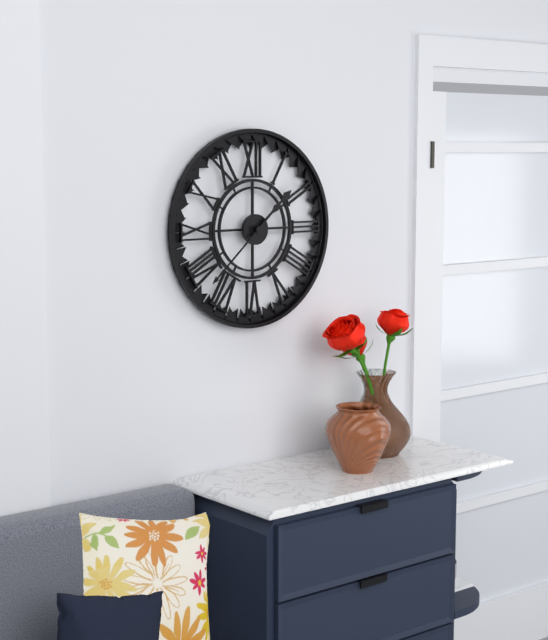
{"hour": 1, "minute": 38}
